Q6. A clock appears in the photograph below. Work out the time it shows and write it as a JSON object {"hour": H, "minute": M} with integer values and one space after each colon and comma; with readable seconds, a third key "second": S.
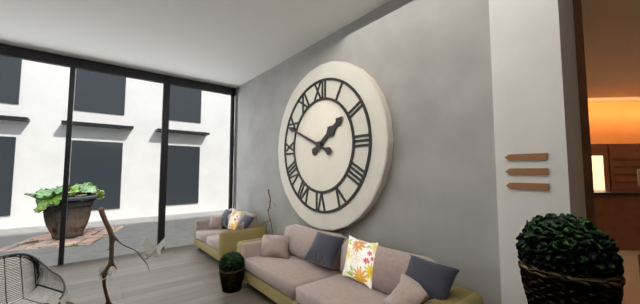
{"hour": 1, "minute": 49}
